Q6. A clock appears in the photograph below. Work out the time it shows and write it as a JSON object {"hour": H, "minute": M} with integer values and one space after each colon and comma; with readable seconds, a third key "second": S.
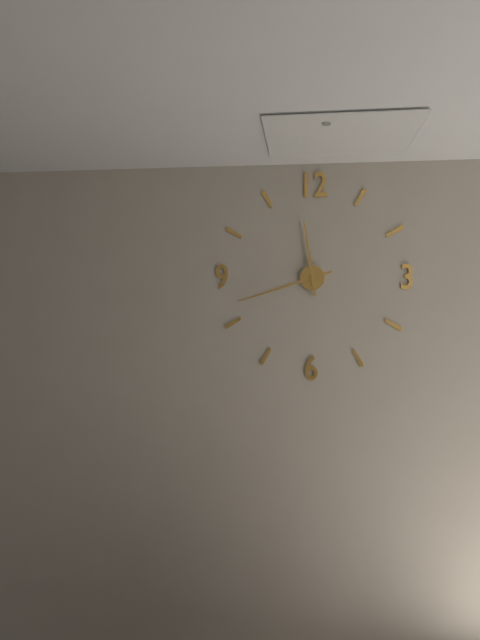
{"hour": 11, "minute": 42}
